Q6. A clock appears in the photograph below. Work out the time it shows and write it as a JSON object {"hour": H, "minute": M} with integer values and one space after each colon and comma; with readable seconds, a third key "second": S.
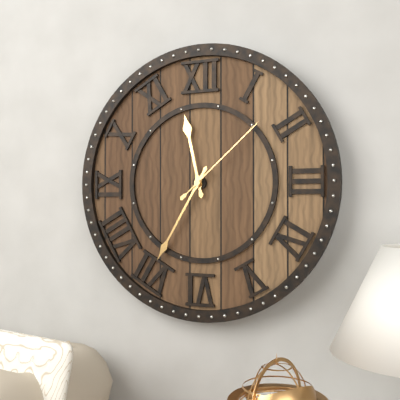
{"hour": 11, "minute": 35, "second": 8}
